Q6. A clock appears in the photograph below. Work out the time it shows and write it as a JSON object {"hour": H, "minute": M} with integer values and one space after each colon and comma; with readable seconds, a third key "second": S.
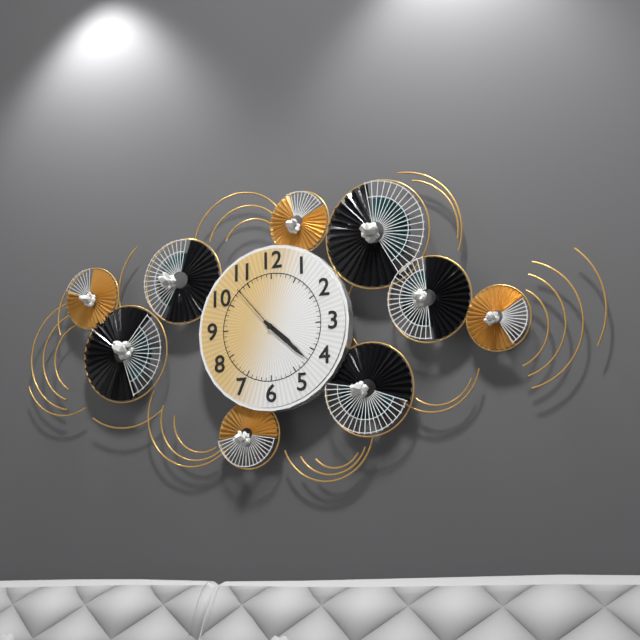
{"hour": 4, "minute": 22, "second": 53}
